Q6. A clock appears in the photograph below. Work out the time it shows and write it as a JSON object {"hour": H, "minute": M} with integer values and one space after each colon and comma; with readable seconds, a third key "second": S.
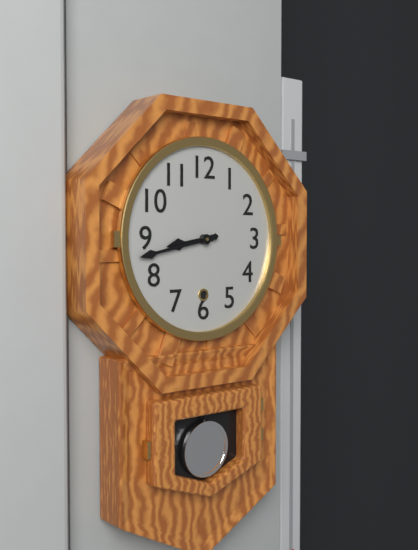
{"hour": 8, "minute": 43}
